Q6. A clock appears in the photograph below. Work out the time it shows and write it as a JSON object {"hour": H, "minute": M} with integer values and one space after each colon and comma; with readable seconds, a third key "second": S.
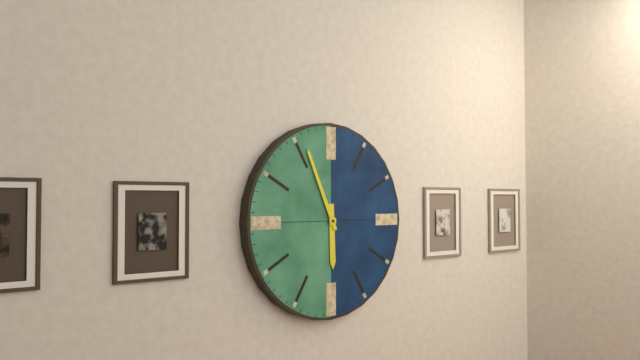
{"hour": 5, "minute": 56}
